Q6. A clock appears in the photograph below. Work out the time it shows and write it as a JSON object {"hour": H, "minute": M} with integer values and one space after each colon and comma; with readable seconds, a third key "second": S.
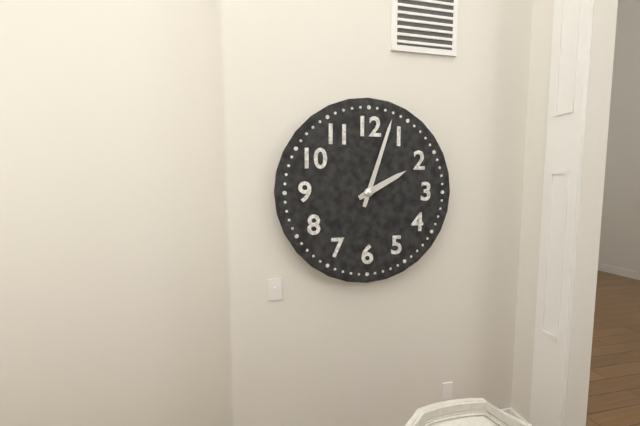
{"hour": 2, "minute": 3}
